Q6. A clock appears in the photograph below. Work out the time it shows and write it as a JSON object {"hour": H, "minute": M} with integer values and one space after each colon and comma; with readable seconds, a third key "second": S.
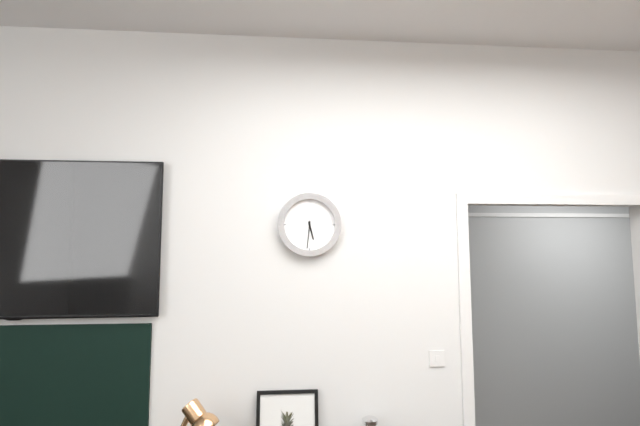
{"hour": 5, "minute": 31}
